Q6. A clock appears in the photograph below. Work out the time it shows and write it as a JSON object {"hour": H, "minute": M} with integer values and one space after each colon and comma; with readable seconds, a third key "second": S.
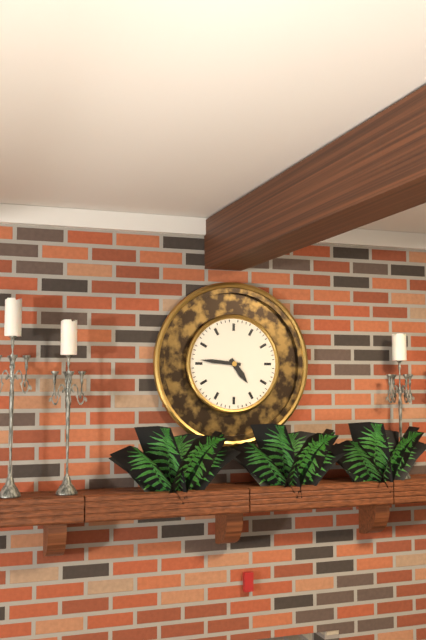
{"hour": 4, "minute": 46}
